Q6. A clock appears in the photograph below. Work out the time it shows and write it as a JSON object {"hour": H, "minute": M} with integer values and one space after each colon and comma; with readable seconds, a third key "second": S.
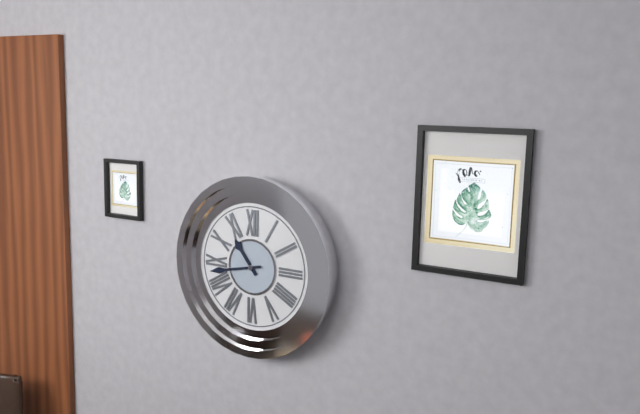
{"hour": 10, "minute": 43}
